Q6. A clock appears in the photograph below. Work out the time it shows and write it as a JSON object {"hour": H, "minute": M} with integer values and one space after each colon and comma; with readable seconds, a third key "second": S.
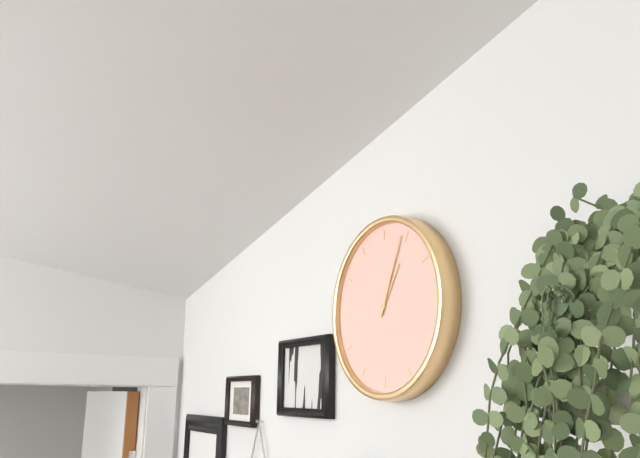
{"hour": 1, "minute": 4}
